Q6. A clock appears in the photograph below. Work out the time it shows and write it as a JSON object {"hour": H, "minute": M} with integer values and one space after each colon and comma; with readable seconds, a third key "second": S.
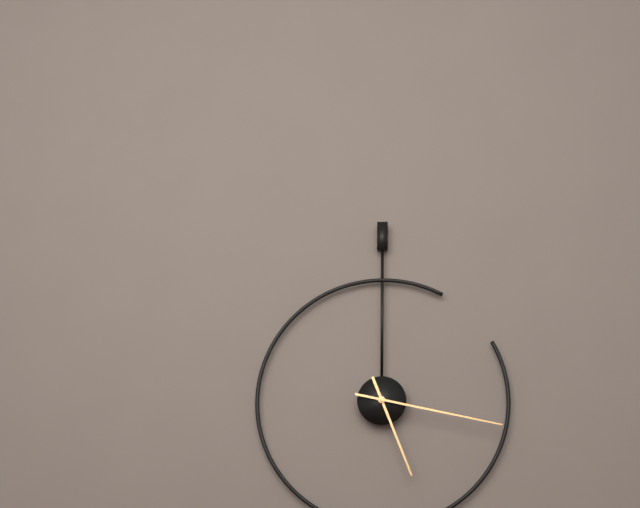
{"hour": 5, "minute": 17}
